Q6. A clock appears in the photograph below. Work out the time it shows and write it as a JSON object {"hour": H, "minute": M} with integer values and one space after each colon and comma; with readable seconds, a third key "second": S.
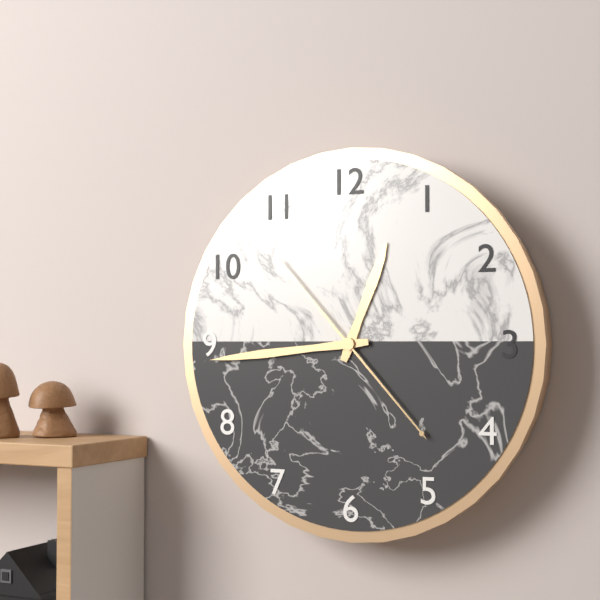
{"hour": 12, "minute": 44, "second": 23}
